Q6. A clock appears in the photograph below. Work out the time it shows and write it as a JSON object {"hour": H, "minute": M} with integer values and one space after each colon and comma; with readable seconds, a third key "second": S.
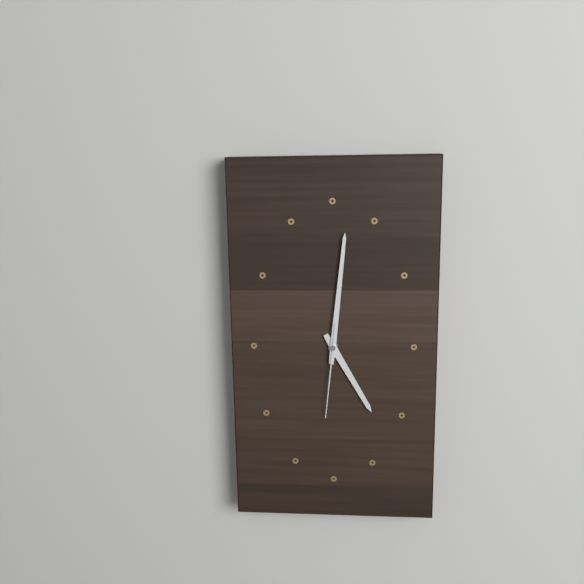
{"hour": 5, "minute": 1, "second": 31}
